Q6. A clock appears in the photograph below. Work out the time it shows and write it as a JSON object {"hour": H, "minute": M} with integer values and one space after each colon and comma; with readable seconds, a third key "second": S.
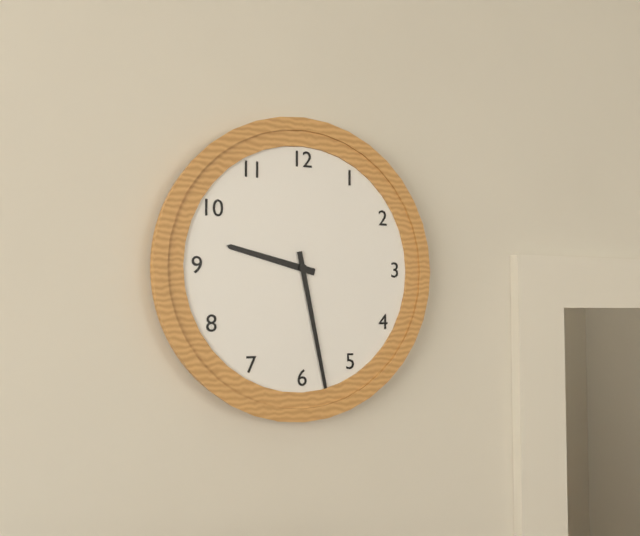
{"hour": 9, "minute": 28}
